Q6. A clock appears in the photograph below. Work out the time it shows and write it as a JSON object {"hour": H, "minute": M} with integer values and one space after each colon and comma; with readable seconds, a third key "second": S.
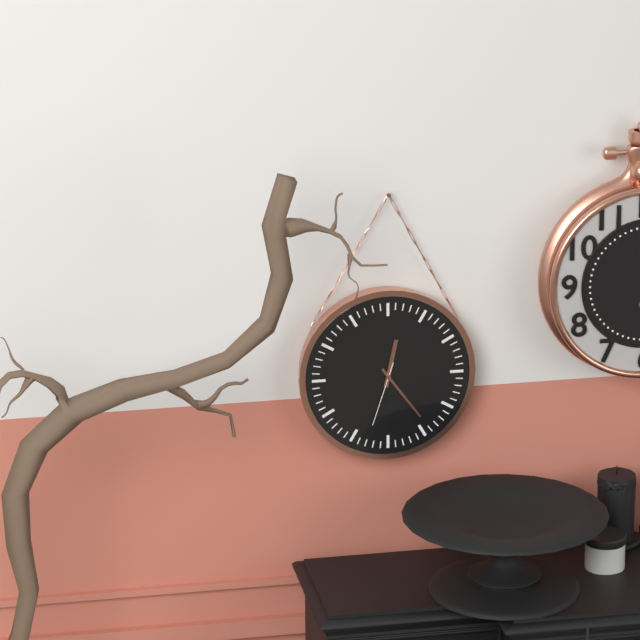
{"hour": 12, "minute": 24, "second": 33}
